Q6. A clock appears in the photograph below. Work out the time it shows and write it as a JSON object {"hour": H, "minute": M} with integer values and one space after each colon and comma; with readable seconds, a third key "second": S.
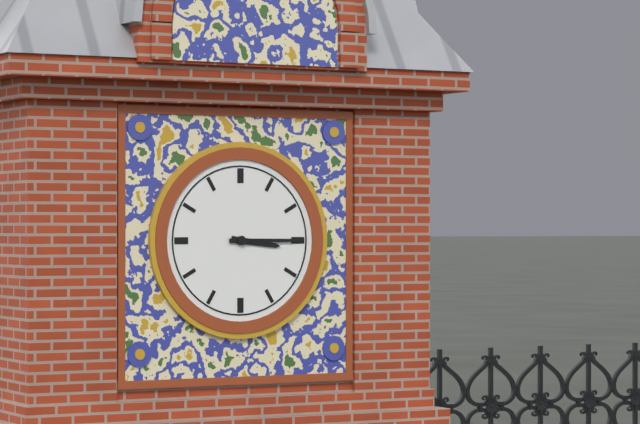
{"hour": 3, "minute": 15}
